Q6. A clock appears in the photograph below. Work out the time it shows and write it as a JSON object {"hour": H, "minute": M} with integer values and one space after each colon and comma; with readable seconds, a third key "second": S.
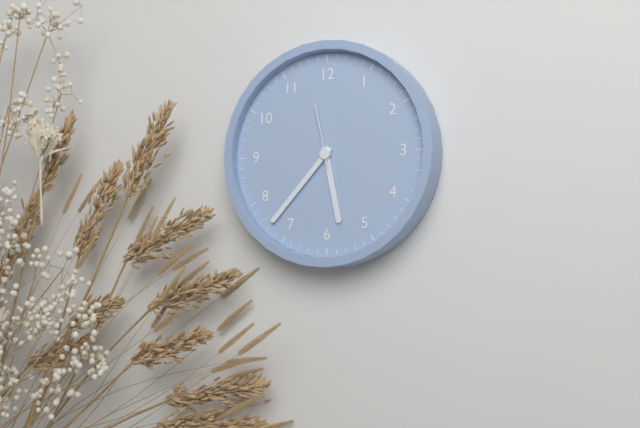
{"hour": 5, "minute": 37, "second": 58}
